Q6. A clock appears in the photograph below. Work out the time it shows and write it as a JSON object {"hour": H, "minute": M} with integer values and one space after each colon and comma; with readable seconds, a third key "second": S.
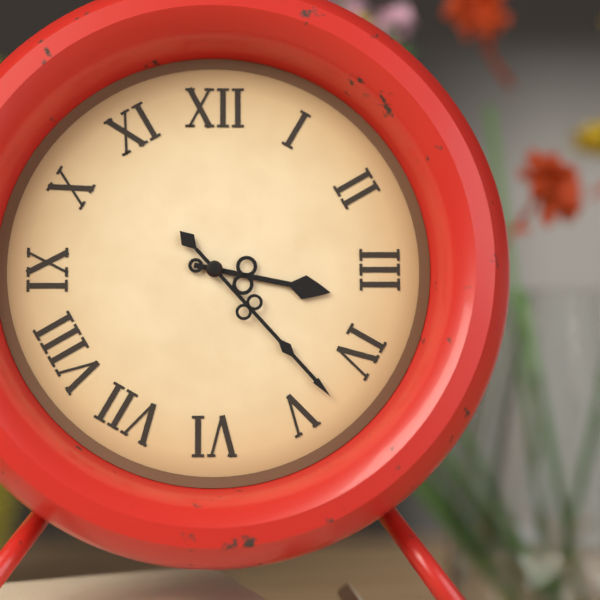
{"hour": 3, "minute": 23}
